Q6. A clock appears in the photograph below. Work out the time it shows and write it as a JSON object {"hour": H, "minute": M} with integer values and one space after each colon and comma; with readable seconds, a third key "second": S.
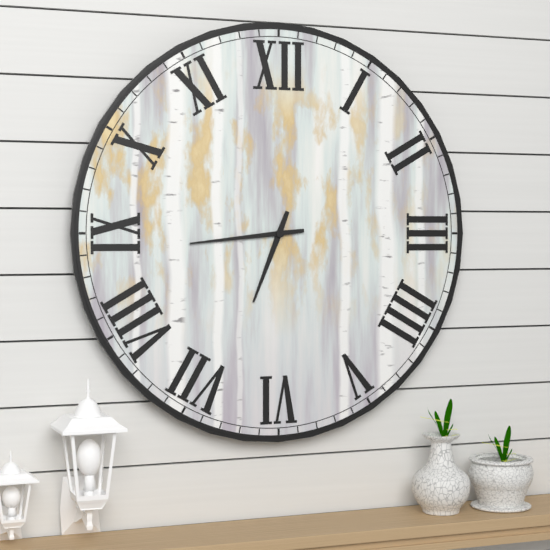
{"hour": 6, "minute": 44}
